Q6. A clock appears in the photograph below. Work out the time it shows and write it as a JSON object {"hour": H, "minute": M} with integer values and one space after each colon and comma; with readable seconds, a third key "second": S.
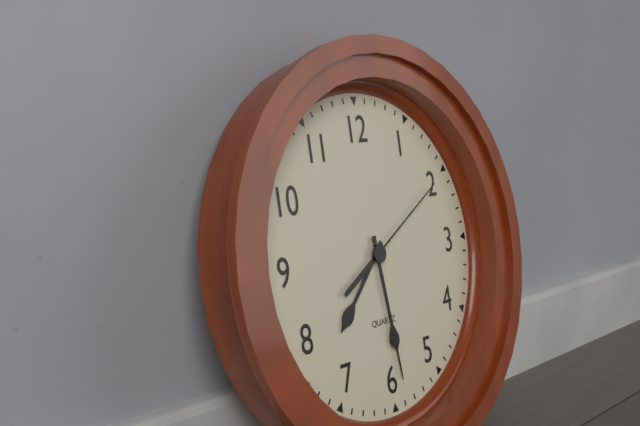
{"hour": 7, "minute": 29, "second": 10}
